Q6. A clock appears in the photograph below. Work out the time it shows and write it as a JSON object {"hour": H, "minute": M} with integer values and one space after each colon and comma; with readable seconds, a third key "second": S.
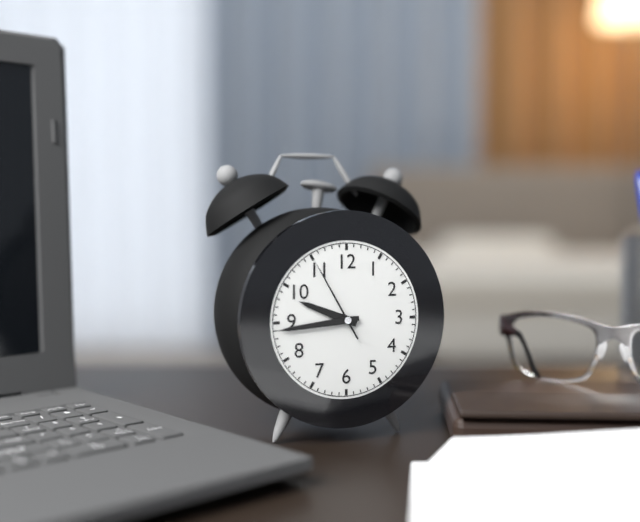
{"hour": 9, "minute": 44, "second": 55}
